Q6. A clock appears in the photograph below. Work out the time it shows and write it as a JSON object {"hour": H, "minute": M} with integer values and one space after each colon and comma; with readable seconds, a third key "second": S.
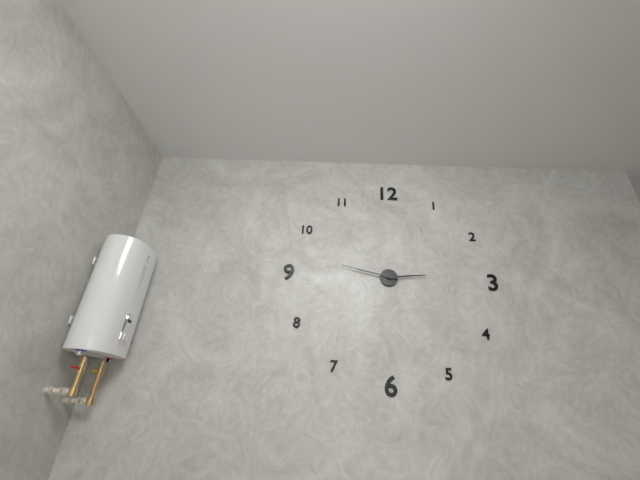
{"hour": 2, "minute": 47}
